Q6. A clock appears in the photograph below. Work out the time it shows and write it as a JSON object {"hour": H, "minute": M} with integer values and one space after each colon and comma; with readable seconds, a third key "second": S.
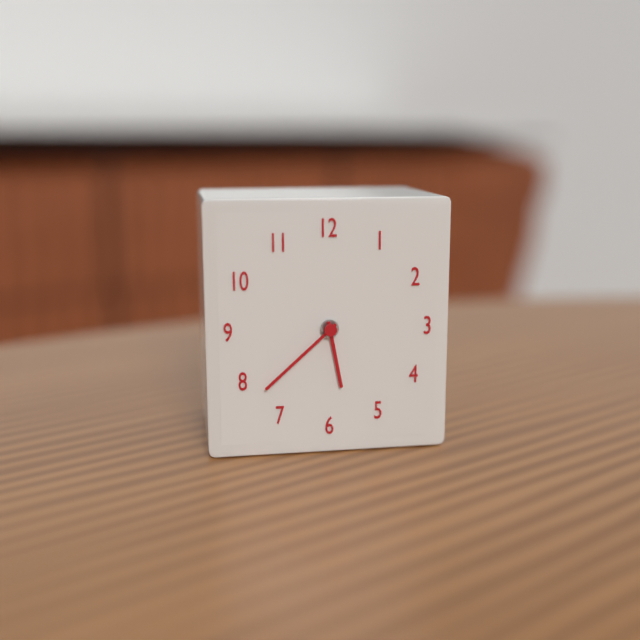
{"hour": 5, "minute": 38}
